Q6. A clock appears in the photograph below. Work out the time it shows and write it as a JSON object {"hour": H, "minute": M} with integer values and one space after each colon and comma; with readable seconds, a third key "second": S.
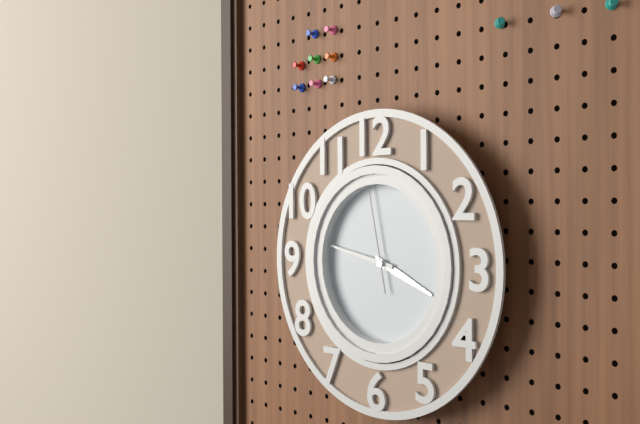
{"hour": 3, "minute": 47, "second": 58}
